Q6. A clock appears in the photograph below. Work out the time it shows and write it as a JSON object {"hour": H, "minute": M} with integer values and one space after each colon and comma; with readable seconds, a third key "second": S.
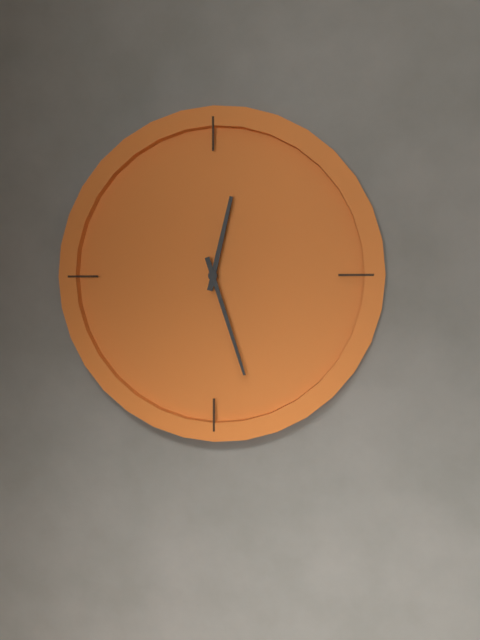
{"hour": 12, "minute": 27}
